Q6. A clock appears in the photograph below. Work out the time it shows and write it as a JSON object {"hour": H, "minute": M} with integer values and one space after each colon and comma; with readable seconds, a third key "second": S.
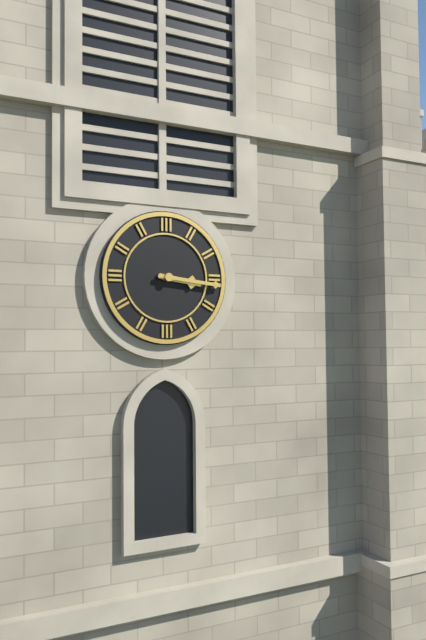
{"hour": 3, "minute": 16}
